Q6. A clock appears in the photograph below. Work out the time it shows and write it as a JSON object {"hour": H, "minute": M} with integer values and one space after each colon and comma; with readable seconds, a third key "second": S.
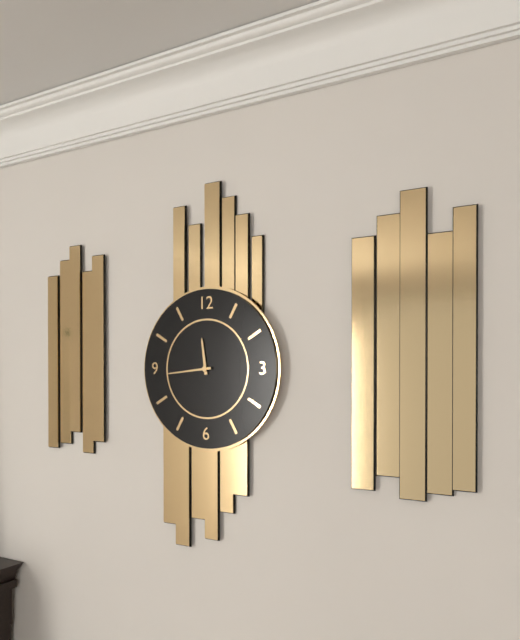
{"hour": 11, "minute": 44}
